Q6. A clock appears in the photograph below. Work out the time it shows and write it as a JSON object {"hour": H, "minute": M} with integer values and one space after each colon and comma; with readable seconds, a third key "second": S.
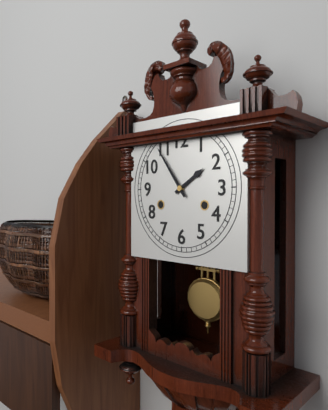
{"hour": 1, "minute": 54}
